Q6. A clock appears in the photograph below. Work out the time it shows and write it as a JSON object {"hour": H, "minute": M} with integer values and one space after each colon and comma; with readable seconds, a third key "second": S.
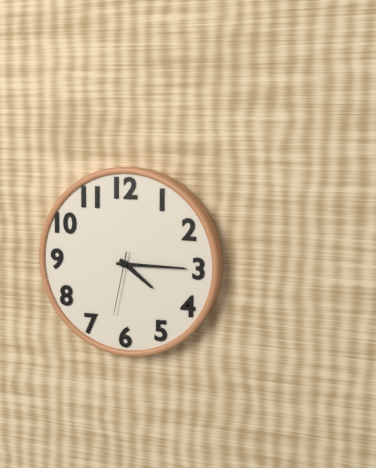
{"hour": 4, "minute": 15, "second": 32}
